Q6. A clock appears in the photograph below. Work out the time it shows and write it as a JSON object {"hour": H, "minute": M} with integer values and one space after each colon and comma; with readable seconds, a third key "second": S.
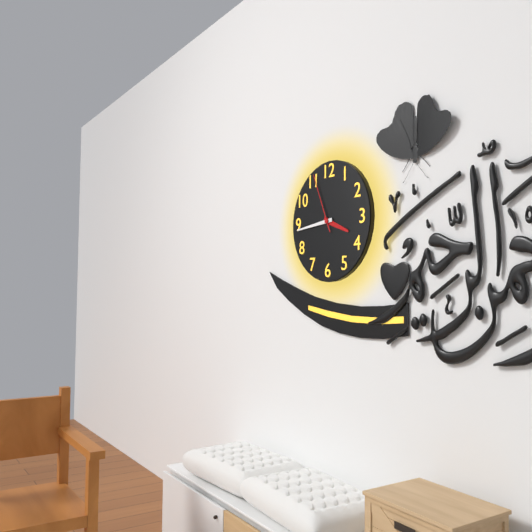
{"hour": 3, "minute": 44, "second": 56}
